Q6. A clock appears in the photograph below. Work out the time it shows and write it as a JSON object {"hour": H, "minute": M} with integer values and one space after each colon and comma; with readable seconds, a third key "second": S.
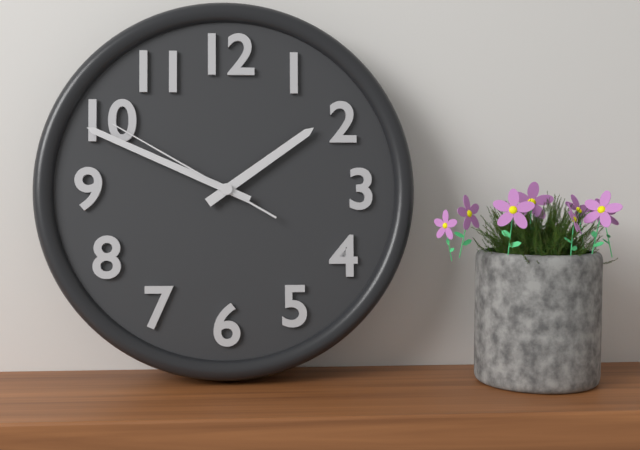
{"hour": 1, "minute": 49, "second": 50}
